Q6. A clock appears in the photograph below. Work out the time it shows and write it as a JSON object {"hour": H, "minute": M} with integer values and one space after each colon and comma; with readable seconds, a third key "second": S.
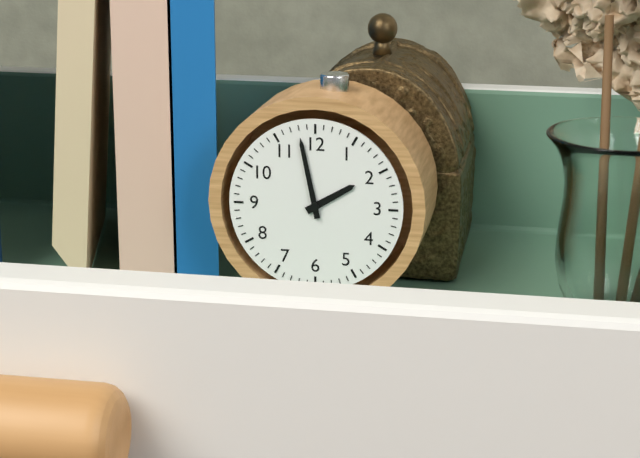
{"hour": 1, "minute": 58}
